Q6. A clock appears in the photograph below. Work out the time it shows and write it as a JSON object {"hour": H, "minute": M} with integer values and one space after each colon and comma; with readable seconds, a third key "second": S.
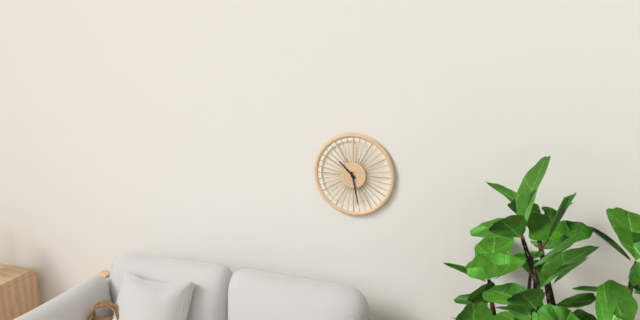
{"hour": 10, "minute": 28}
